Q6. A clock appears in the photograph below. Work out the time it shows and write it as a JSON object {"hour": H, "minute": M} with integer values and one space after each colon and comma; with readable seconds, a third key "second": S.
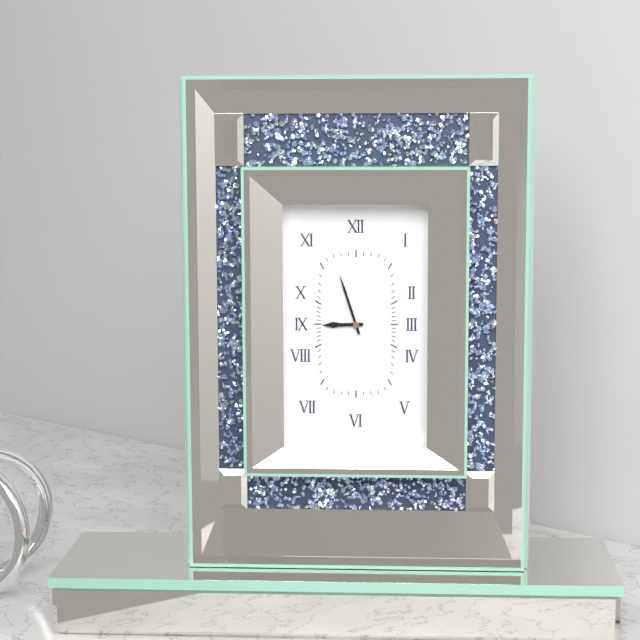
{"hour": 8, "minute": 57}
